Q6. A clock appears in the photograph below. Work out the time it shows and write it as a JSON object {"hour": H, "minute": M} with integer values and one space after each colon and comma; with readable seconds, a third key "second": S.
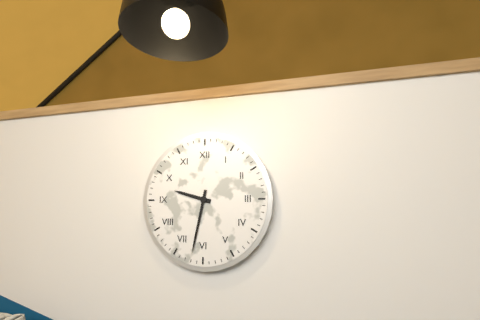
{"hour": 9, "minute": 32}
